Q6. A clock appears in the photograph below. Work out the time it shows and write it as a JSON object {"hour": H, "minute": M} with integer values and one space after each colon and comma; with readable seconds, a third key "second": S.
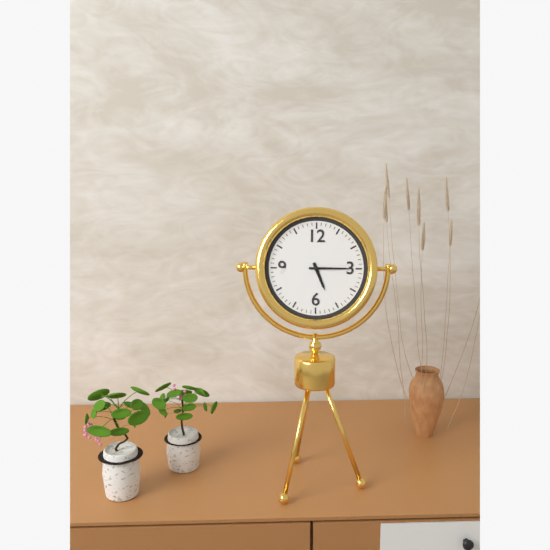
{"hour": 5, "minute": 15}
